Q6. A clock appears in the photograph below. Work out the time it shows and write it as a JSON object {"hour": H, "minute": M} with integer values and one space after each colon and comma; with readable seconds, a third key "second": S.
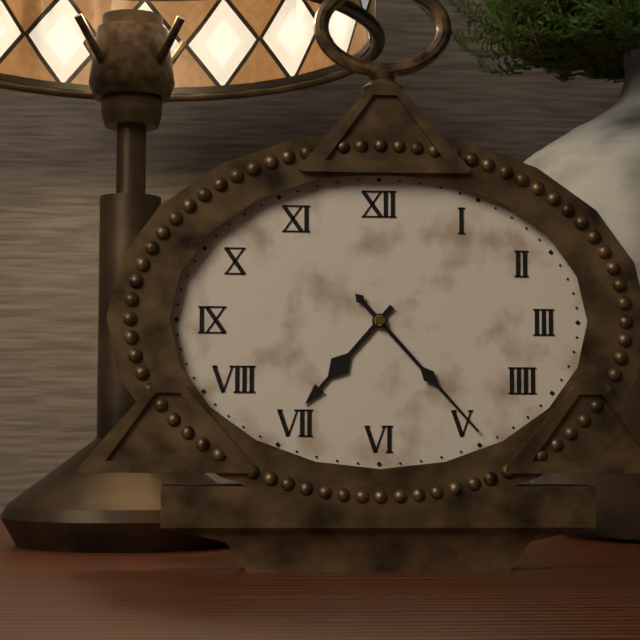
{"hour": 7, "minute": 23}
